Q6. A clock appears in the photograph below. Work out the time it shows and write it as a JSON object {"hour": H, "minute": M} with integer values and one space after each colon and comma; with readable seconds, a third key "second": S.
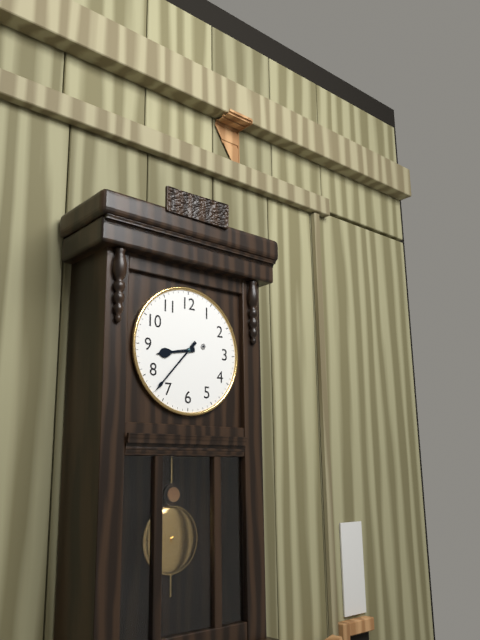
{"hour": 8, "minute": 37}
